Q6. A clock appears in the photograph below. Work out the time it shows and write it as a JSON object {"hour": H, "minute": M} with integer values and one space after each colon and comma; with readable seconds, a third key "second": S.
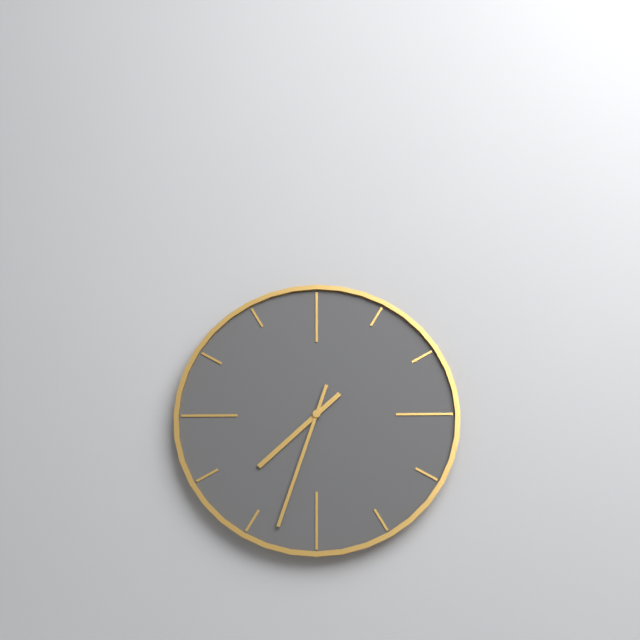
{"hour": 7, "minute": 33}
